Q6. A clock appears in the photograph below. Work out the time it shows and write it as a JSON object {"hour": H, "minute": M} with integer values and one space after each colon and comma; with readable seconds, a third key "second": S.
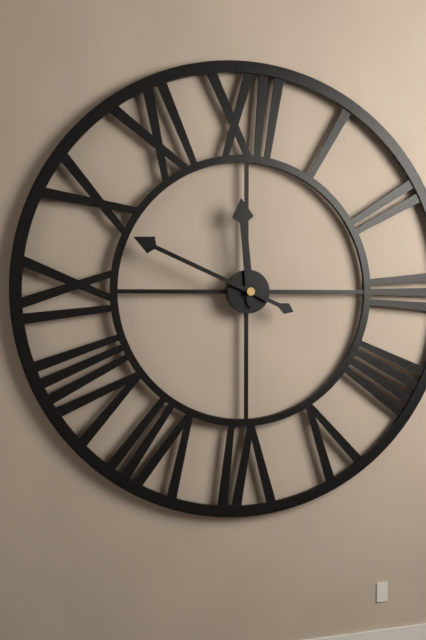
{"hour": 11, "minute": 49}
